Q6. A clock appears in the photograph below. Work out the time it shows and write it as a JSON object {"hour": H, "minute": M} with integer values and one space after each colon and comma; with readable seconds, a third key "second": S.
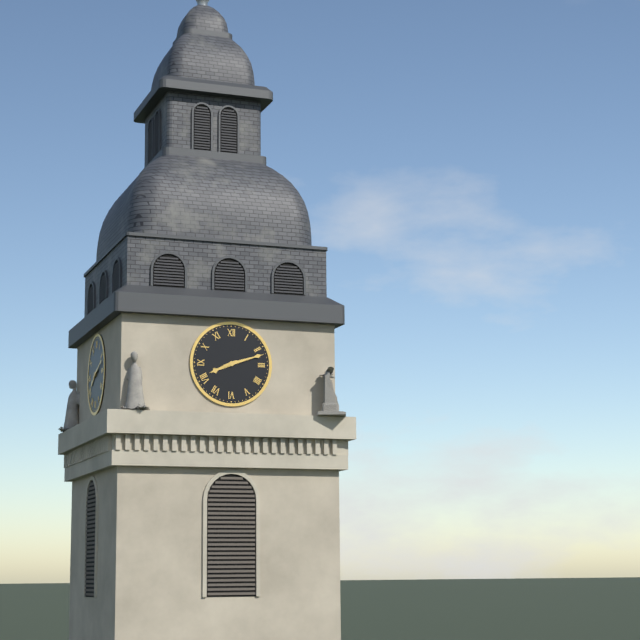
{"hour": 8, "minute": 12}
